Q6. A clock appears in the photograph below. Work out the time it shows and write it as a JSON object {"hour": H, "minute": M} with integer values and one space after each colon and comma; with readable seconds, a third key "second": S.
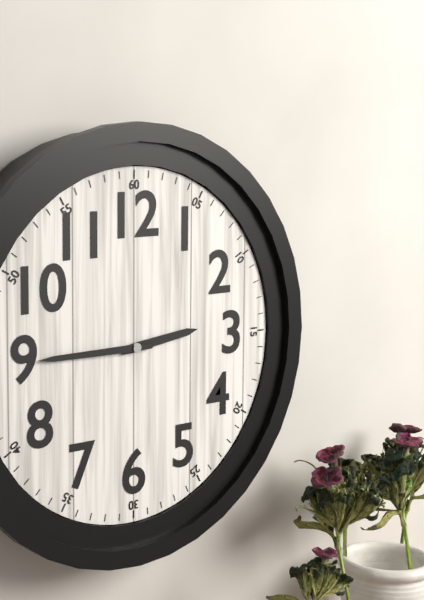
{"hour": 2, "minute": 45}
